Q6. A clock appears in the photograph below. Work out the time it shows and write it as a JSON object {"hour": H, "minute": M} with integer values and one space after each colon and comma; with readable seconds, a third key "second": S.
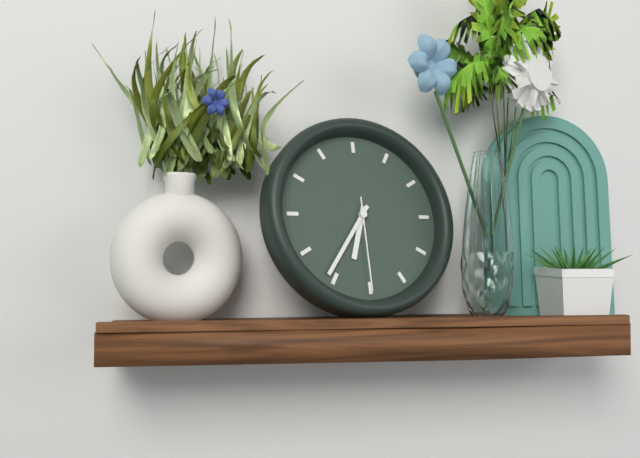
{"hour": 6, "minute": 36, "second": 30}
